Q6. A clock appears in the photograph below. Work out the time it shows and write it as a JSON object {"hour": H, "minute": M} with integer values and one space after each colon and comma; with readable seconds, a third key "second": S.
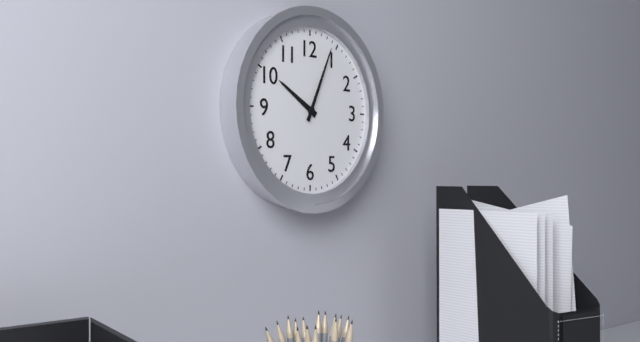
{"hour": 10, "minute": 4}
